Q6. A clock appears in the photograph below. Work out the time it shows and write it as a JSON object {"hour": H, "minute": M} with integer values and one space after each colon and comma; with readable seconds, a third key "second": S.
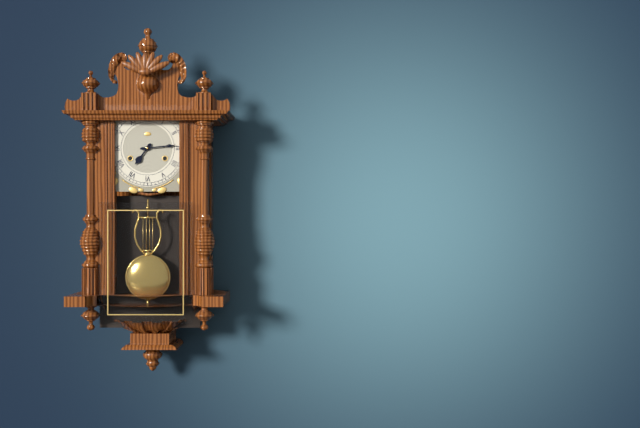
{"hour": 7, "minute": 14}
